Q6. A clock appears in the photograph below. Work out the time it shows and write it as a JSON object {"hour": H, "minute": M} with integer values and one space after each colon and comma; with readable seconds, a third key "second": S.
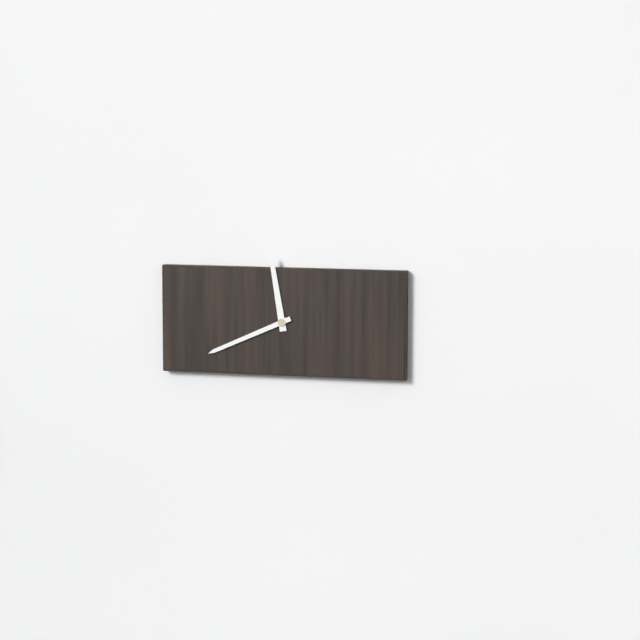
{"hour": 11, "minute": 41}
